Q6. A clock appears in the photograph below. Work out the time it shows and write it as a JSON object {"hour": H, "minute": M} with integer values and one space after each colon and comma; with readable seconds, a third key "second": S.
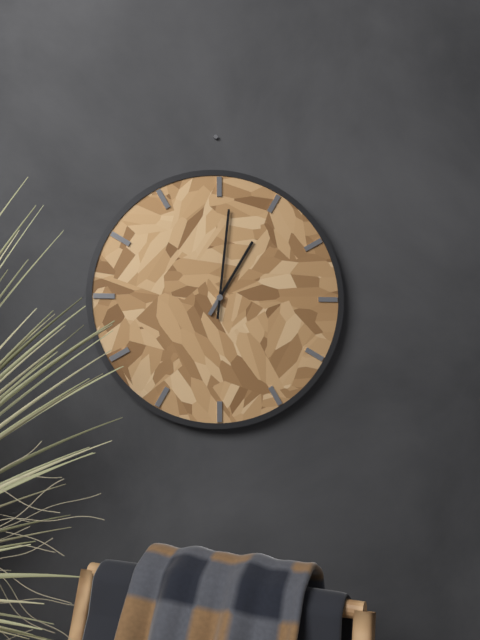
{"hour": 1, "minute": 1}
